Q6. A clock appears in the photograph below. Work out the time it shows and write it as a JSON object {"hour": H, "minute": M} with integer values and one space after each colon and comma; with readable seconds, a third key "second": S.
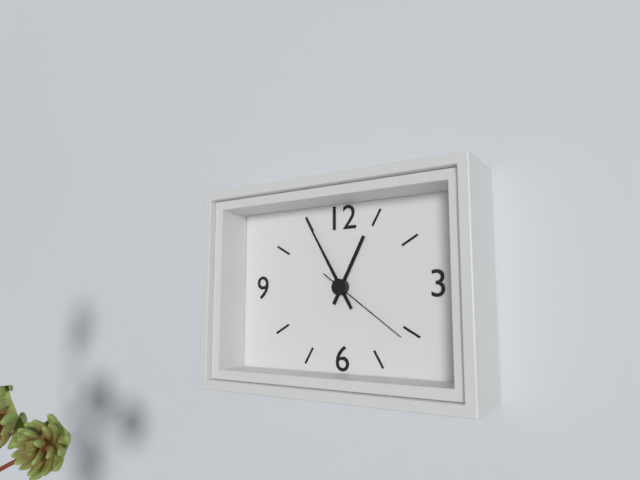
{"hour": 12, "minute": 55, "second": 21}
